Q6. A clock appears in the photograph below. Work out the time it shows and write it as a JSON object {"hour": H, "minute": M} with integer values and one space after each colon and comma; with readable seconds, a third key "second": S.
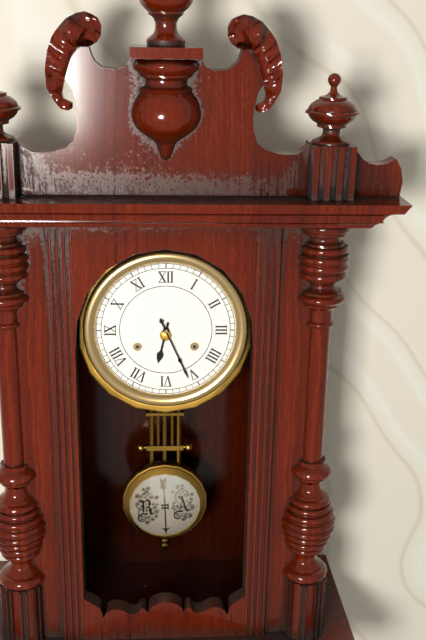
{"hour": 6, "minute": 26}
